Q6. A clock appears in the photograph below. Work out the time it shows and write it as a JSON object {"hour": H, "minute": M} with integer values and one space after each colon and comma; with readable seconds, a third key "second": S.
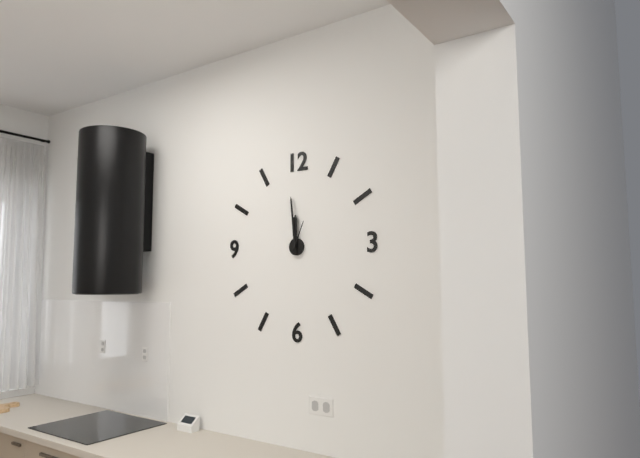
{"hour": 11, "minute": 59}
